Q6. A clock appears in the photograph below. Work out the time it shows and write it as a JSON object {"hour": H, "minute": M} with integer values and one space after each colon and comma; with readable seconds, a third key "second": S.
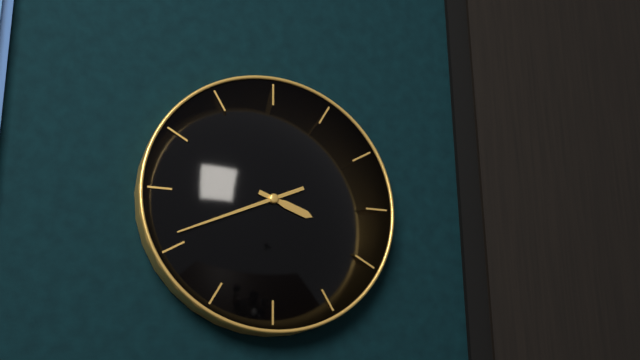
{"hour": 3, "minute": 41}
